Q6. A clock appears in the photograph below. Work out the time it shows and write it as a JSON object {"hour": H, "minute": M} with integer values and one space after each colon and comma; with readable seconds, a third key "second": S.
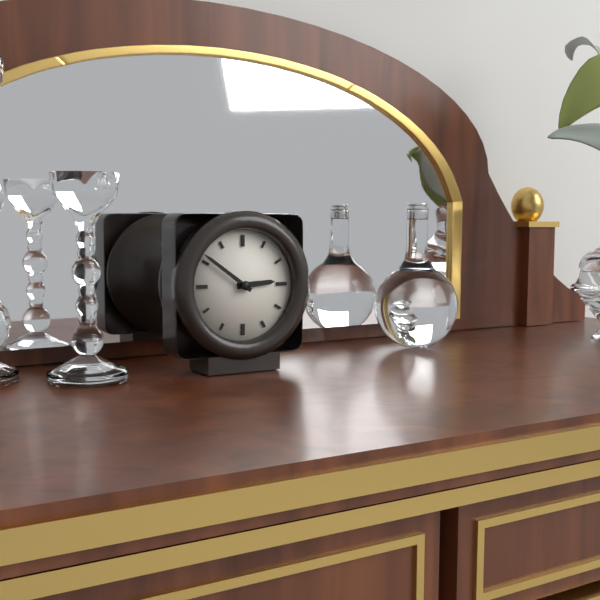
{"hour": 2, "minute": 51}
